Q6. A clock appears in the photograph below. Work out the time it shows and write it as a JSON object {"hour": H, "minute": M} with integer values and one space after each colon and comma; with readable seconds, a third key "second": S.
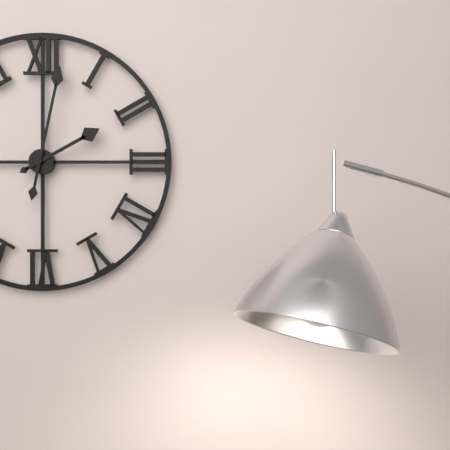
{"hour": 2, "minute": 2}
